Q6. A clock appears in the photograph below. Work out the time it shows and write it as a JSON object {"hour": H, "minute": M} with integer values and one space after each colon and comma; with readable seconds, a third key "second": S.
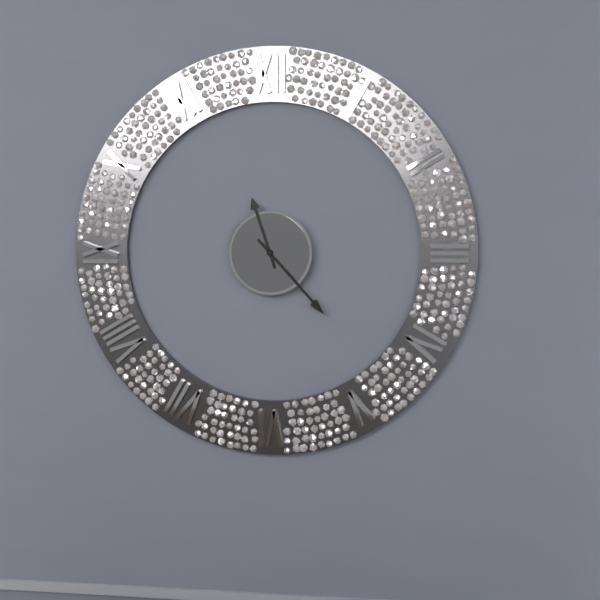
{"hour": 11, "minute": 23}
